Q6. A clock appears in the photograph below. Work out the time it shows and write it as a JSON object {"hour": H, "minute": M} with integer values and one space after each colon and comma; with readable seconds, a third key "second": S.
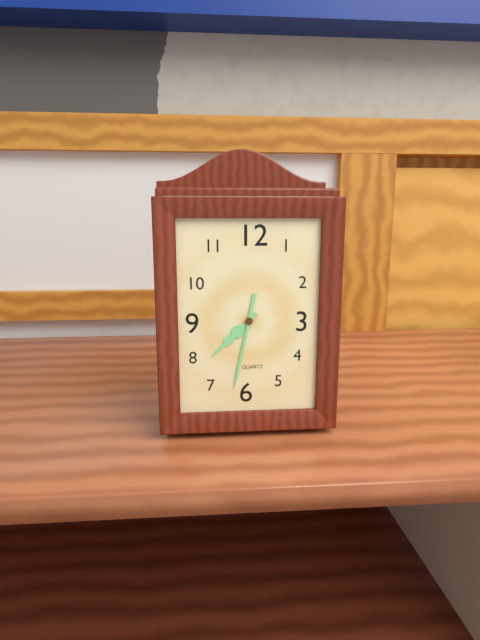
{"hour": 7, "minute": 32}
